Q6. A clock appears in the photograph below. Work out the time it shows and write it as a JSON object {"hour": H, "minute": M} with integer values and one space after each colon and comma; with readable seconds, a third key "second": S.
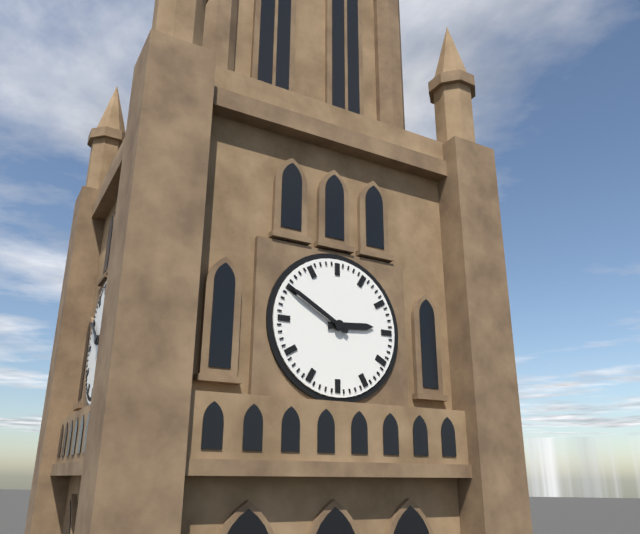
{"hour": 2, "minute": 50}
